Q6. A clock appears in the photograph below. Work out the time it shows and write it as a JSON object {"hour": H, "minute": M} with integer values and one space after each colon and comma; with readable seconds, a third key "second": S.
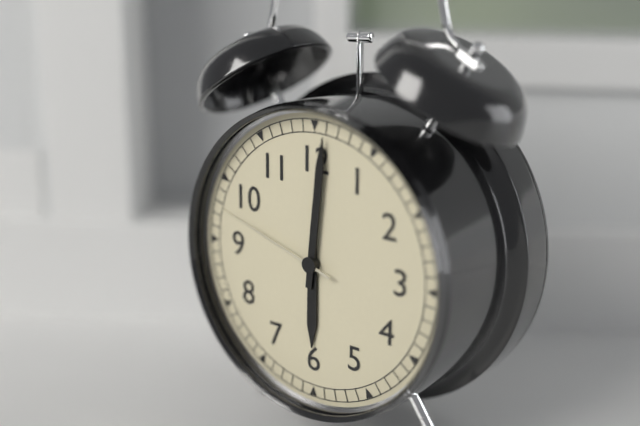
{"hour": 6, "minute": 1, "second": 48}
